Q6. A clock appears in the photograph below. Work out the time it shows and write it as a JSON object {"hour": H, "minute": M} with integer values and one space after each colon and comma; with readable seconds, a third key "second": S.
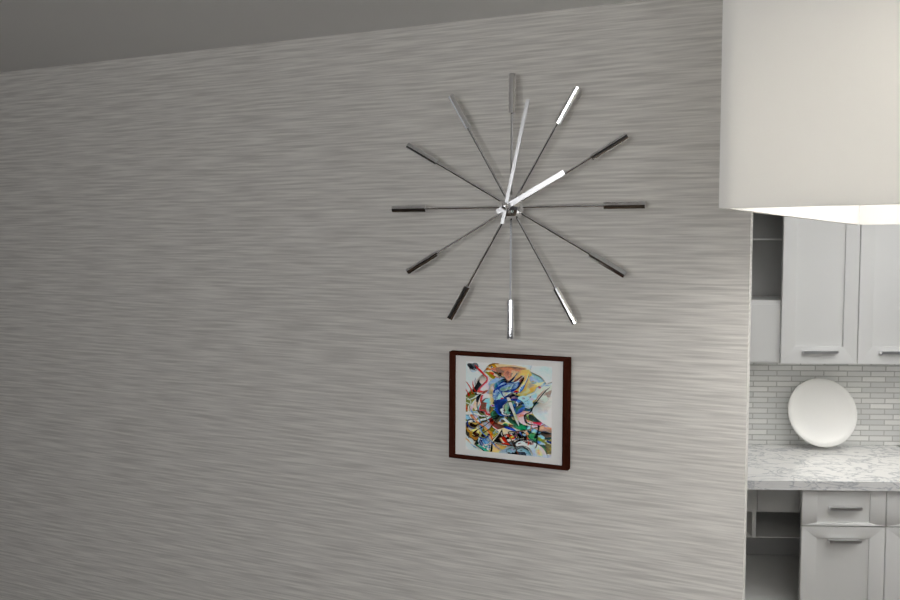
{"hour": 2, "minute": 2}
